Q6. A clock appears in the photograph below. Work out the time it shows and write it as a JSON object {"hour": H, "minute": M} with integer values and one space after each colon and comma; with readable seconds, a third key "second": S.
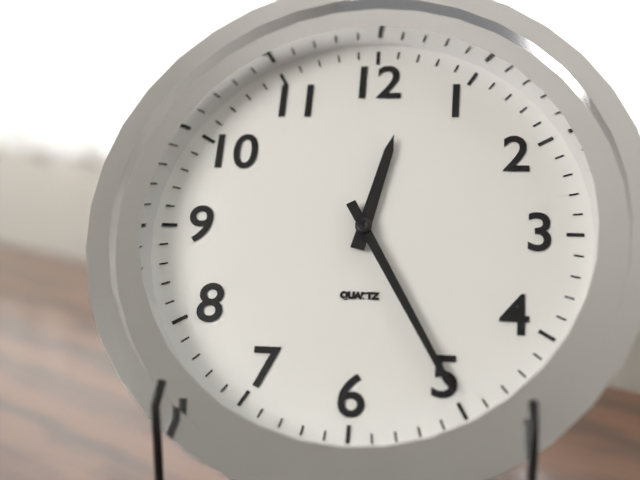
{"hour": 12, "minute": 25}
